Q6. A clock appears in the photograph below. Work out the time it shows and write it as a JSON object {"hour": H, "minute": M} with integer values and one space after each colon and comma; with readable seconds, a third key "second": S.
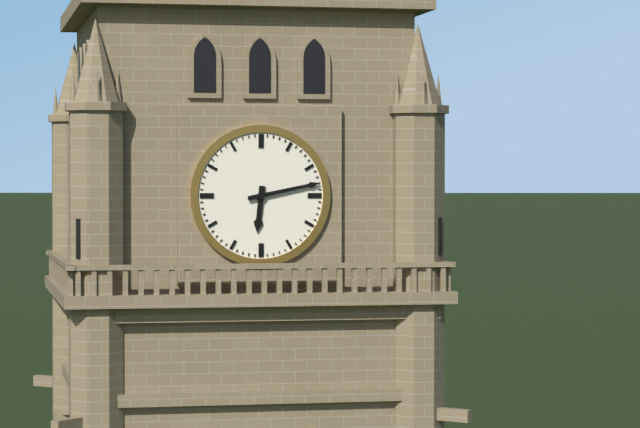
{"hour": 6, "minute": 13}
